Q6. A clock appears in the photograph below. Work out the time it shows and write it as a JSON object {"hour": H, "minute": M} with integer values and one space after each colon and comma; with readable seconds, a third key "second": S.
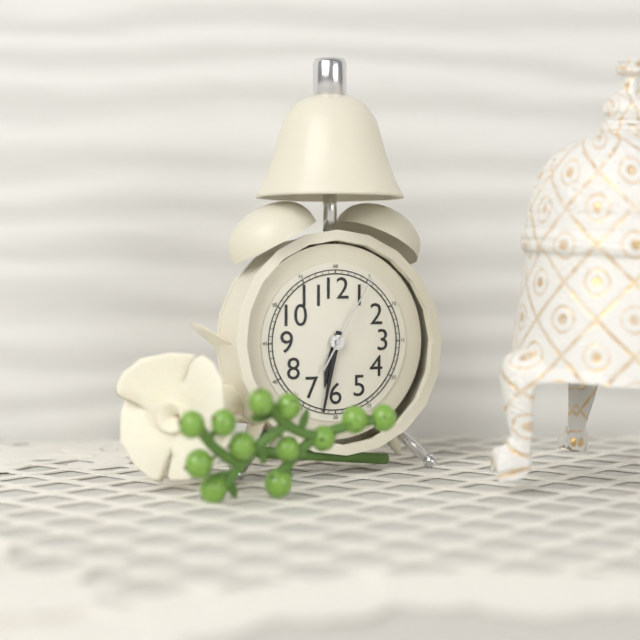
{"hour": 6, "minute": 32, "second": 5}
